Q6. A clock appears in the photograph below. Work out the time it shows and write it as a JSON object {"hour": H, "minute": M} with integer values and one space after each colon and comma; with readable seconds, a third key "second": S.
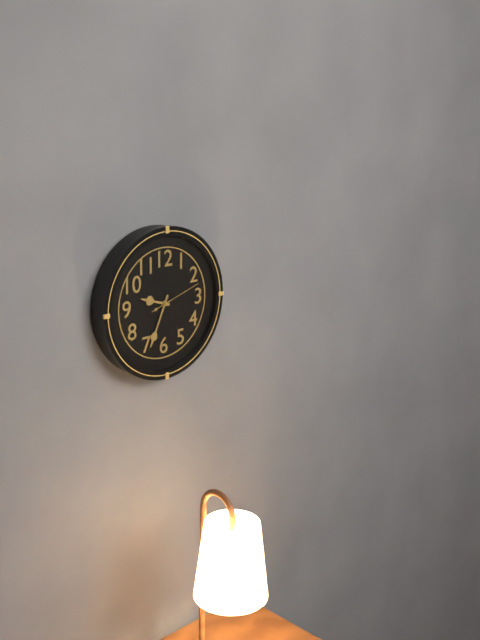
{"hour": 9, "minute": 34, "second": 12}
